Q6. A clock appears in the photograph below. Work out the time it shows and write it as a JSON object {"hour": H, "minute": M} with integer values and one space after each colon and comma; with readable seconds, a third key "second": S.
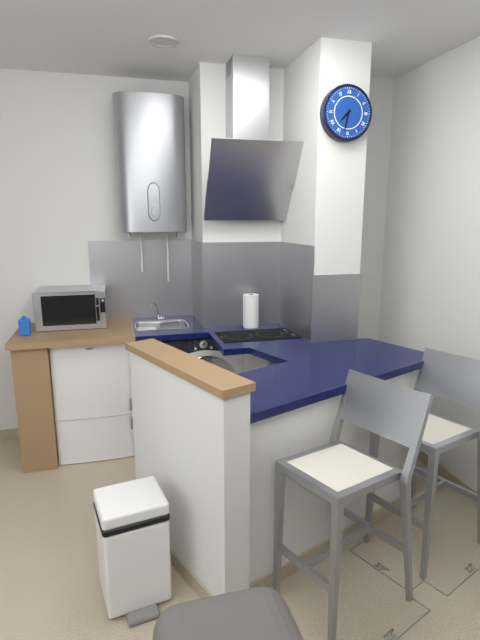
{"hour": 7, "minute": 32}
